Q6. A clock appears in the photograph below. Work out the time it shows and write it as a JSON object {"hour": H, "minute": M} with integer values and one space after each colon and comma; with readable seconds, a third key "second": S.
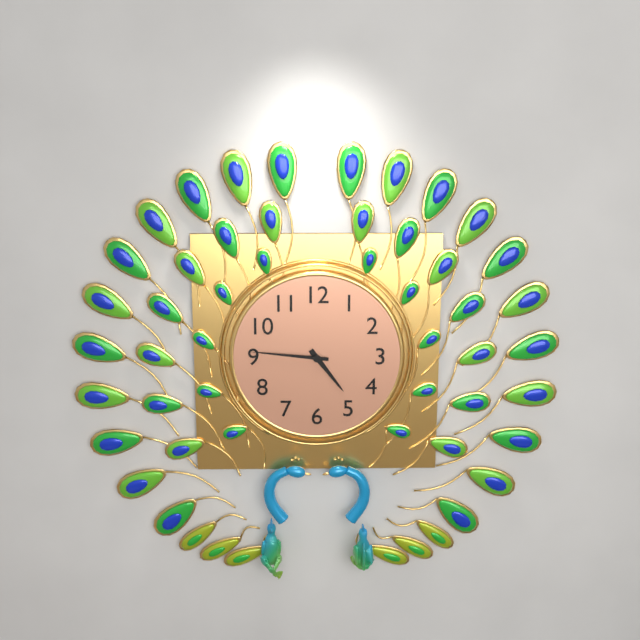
{"hour": 4, "minute": 46}
